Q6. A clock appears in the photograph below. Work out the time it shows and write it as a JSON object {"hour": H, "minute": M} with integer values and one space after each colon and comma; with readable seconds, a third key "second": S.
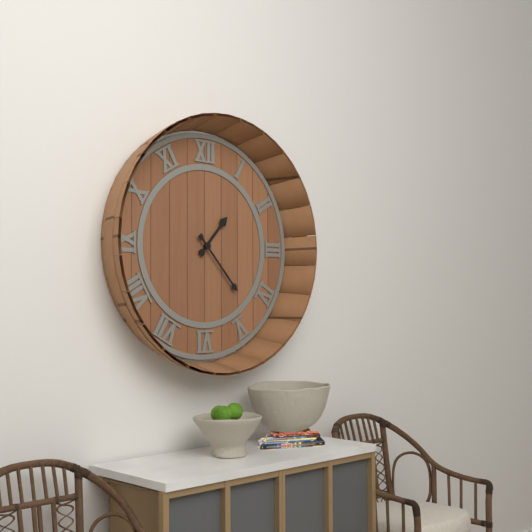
{"hour": 1, "minute": 23}
